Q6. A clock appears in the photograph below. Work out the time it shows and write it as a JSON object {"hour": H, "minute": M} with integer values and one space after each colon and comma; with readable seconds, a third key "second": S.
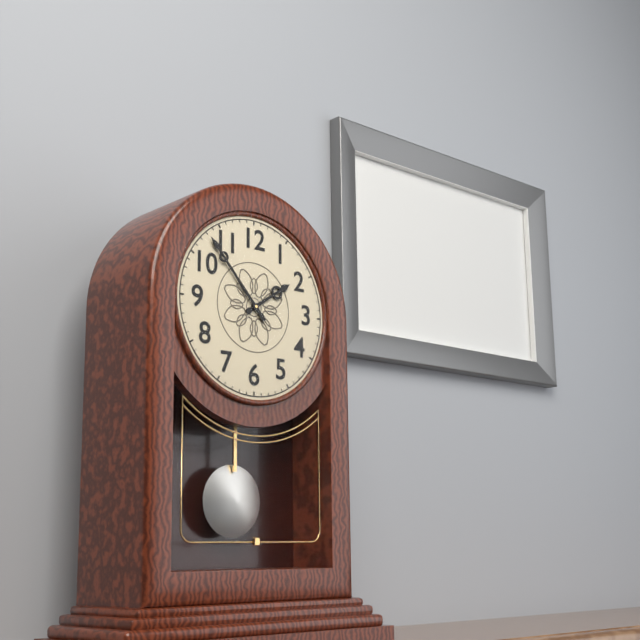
{"hour": 1, "minute": 53}
